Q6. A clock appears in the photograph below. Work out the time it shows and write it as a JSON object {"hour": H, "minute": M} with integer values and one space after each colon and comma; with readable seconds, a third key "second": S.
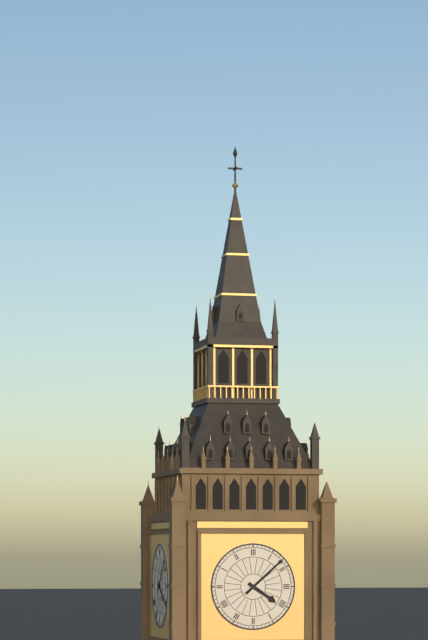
{"hour": 4, "minute": 8}
